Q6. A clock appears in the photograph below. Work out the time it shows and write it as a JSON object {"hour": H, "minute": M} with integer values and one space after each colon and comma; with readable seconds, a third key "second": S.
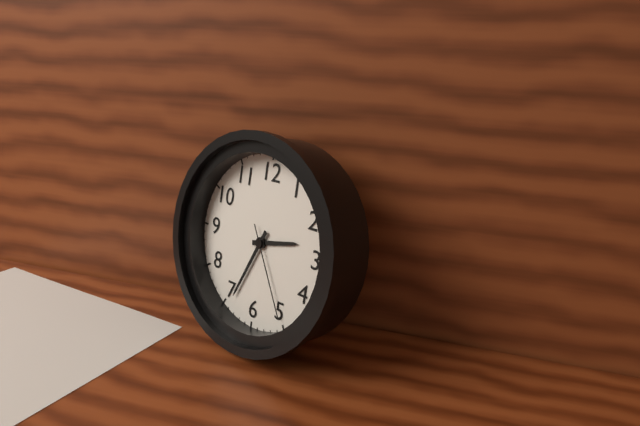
{"hour": 2, "minute": 34, "second": 25}
